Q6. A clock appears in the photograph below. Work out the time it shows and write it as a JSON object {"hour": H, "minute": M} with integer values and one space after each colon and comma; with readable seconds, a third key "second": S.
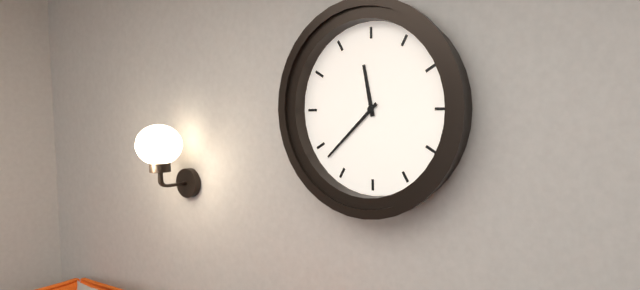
{"hour": 11, "minute": 38}
